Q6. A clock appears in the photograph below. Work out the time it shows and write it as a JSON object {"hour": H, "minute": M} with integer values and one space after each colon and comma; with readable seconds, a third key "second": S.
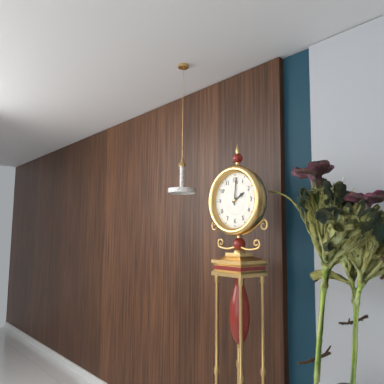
{"hour": 2, "minute": 1}
